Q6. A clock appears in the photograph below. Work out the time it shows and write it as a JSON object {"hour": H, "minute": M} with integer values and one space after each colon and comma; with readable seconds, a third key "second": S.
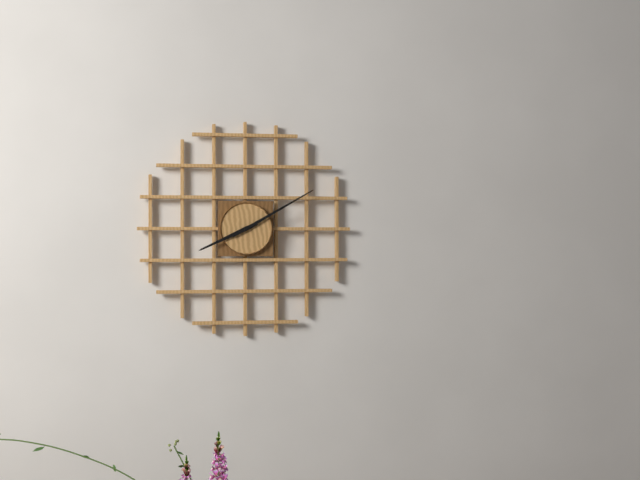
{"hour": 8, "minute": 10}
